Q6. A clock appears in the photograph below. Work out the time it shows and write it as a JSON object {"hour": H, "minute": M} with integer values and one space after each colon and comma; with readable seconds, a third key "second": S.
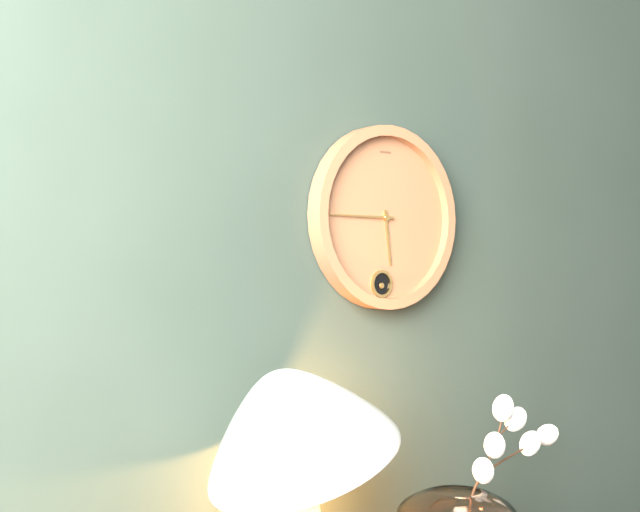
{"hour": 5, "minute": 45}
